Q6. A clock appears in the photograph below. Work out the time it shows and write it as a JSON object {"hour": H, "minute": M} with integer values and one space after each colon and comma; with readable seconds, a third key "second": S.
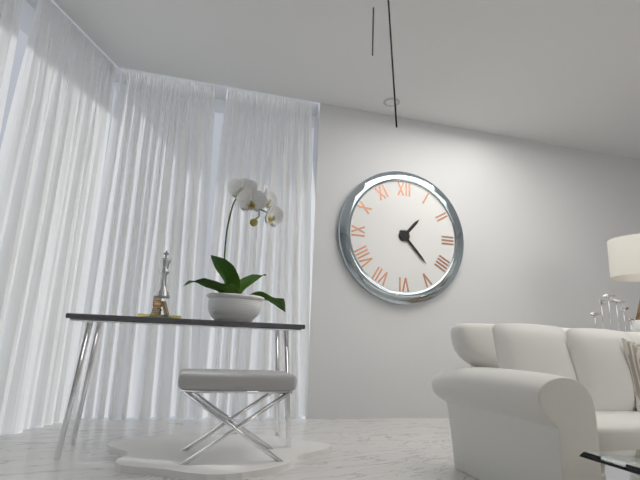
{"hour": 1, "minute": 23}
